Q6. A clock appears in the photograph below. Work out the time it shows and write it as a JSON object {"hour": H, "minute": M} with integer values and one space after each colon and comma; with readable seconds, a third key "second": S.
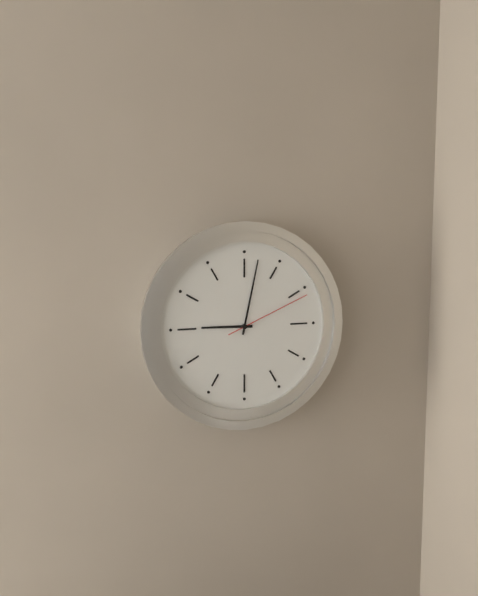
{"hour": 9, "minute": 2, "second": 11}
